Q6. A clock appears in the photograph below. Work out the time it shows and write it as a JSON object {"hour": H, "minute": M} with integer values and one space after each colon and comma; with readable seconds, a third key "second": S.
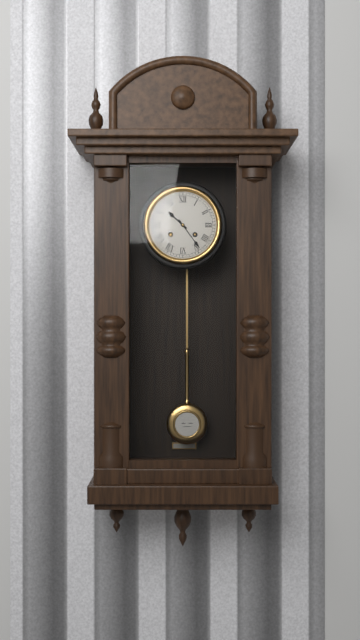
{"hour": 10, "minute": 24}
